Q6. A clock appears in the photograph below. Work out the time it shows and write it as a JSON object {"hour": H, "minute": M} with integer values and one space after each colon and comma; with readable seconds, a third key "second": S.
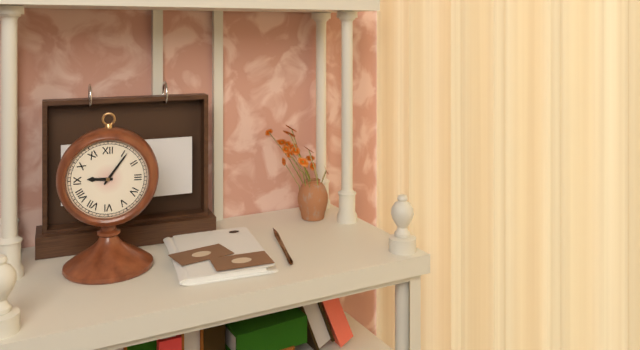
{"hour": 9, "minute": 6}
